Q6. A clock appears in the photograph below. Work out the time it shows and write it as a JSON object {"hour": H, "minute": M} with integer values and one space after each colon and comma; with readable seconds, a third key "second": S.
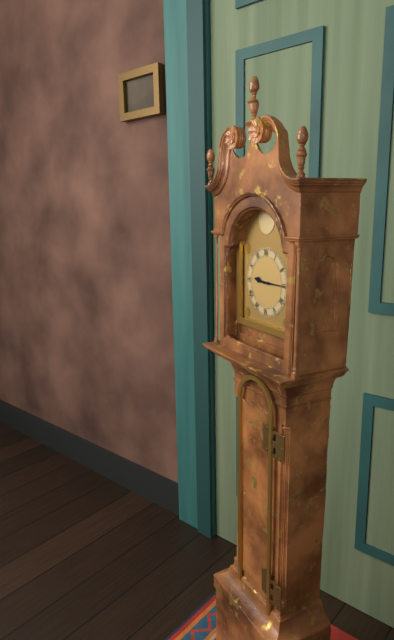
{"hour": 9, "minute": 15}
